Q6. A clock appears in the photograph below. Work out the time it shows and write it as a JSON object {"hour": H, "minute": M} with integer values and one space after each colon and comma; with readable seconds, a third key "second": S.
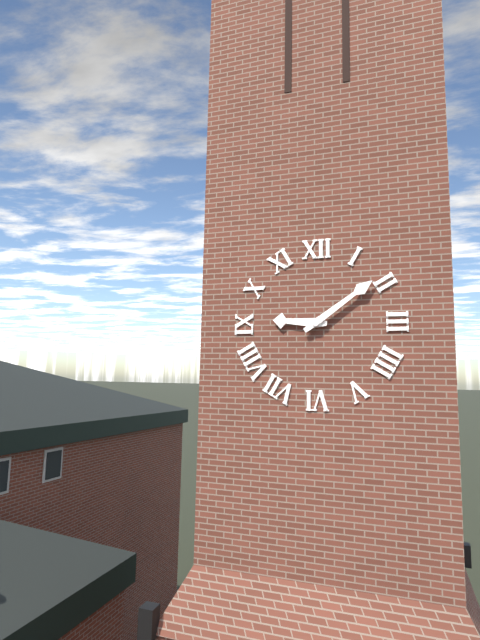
{"hour": 9, "minute": 9}
